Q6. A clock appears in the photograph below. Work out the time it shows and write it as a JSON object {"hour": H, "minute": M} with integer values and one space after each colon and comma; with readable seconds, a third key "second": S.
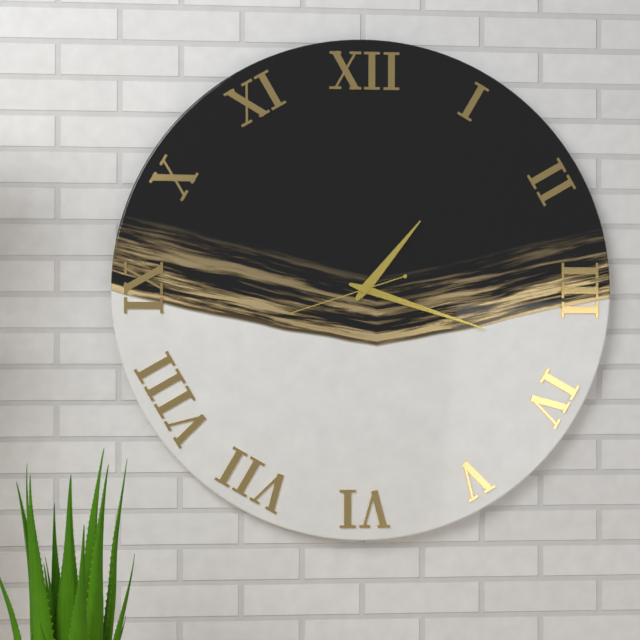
{"hour": 1, "minute": 18, "second": 42}
